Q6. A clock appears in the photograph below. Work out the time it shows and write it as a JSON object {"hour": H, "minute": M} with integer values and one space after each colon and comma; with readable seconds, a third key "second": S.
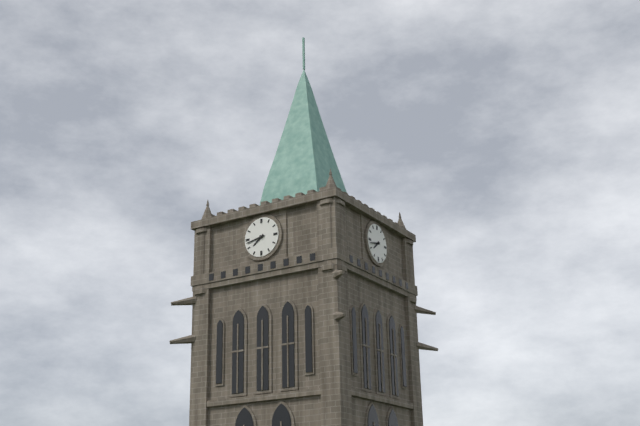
{"hour": 7, "minute": 43}
